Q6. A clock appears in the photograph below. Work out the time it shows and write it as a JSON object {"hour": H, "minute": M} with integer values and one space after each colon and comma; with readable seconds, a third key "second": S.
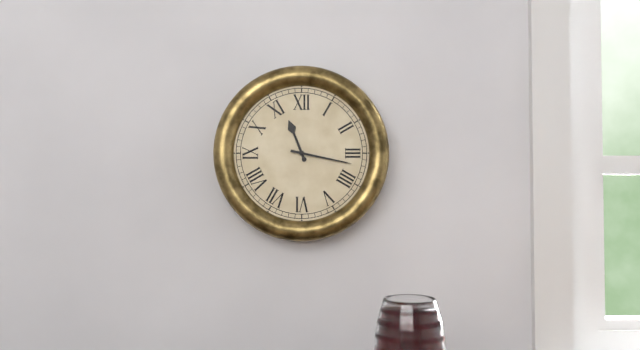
{"hour": 11, "minute": 17}
